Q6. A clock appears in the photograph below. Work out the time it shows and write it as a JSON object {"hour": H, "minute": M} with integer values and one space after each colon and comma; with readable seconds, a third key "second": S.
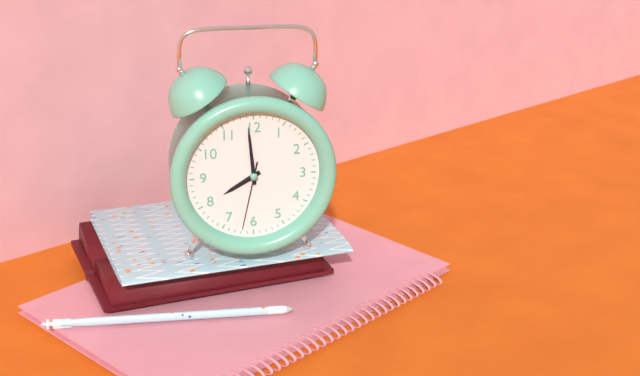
{"hour": 7, "minute": 59, "second": 32}
